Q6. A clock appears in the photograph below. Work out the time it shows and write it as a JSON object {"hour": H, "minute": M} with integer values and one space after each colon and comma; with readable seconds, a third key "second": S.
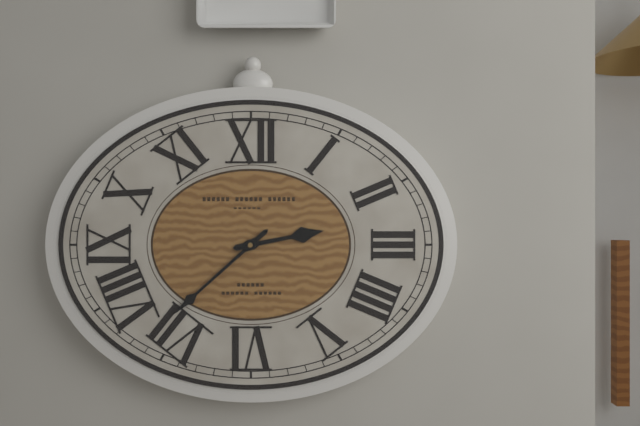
{"hour": 2, "minute": 38}
